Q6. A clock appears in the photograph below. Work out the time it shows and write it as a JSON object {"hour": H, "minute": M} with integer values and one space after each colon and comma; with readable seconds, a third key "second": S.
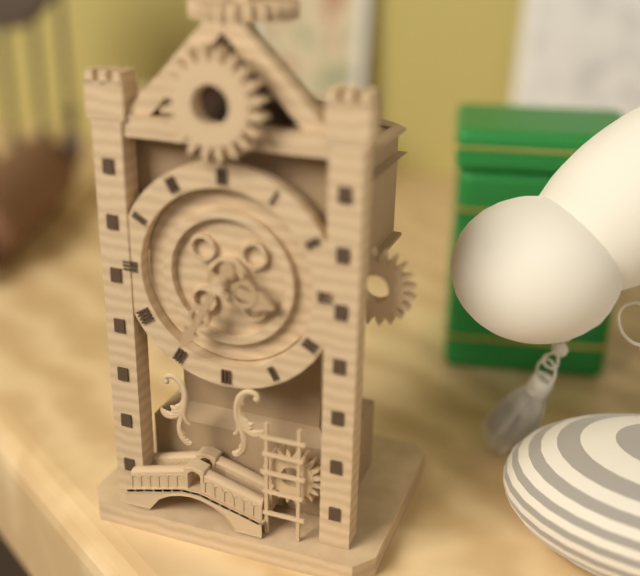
{"hour": 3, "minute": 35}
